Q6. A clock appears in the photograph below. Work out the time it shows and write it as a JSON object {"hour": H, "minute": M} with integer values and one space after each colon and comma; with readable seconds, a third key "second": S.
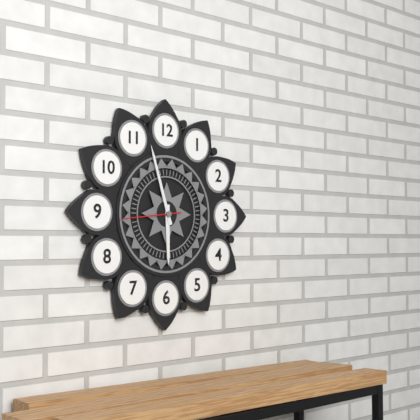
{"hour": 5, "minute": 57, "second": 44}
